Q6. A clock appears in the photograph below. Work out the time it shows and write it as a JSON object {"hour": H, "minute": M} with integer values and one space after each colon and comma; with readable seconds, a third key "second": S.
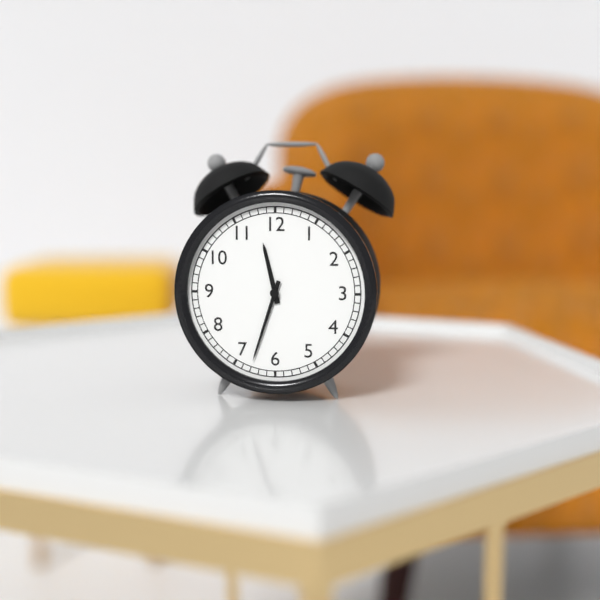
{"hour": 11, "minute": 33}
